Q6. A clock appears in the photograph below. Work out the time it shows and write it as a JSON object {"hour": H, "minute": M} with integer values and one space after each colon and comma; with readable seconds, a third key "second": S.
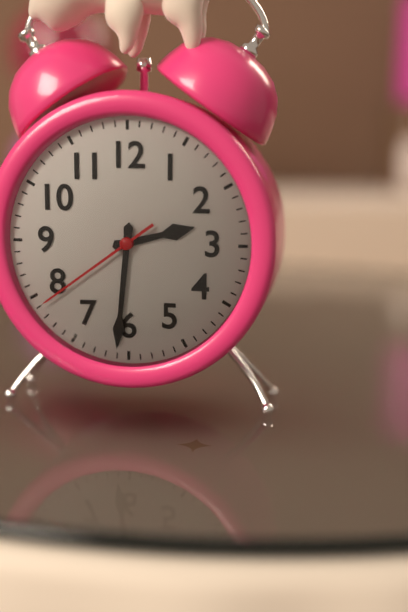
{"hour": 2, "minute": 31, "second": 39}
